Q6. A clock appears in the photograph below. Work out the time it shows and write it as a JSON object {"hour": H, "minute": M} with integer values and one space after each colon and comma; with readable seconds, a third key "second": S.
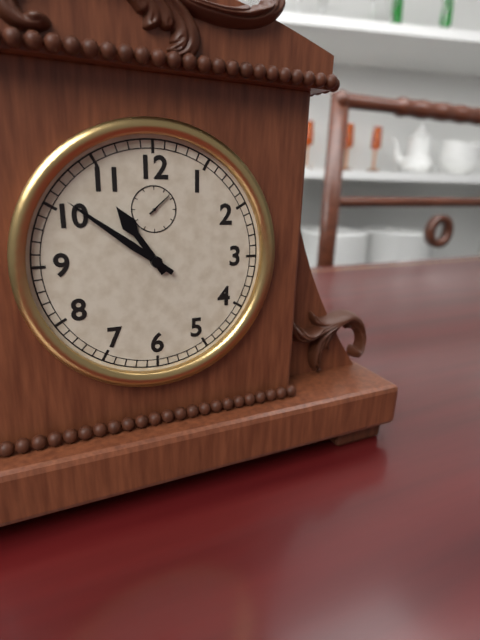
{"hour": 10, "minute": 51}
